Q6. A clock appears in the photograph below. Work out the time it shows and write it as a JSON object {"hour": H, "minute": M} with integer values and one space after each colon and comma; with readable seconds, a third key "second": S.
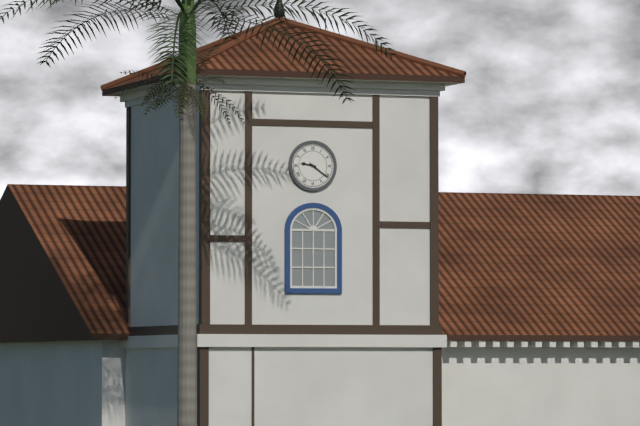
{"hour": 9, "minute": 21}
